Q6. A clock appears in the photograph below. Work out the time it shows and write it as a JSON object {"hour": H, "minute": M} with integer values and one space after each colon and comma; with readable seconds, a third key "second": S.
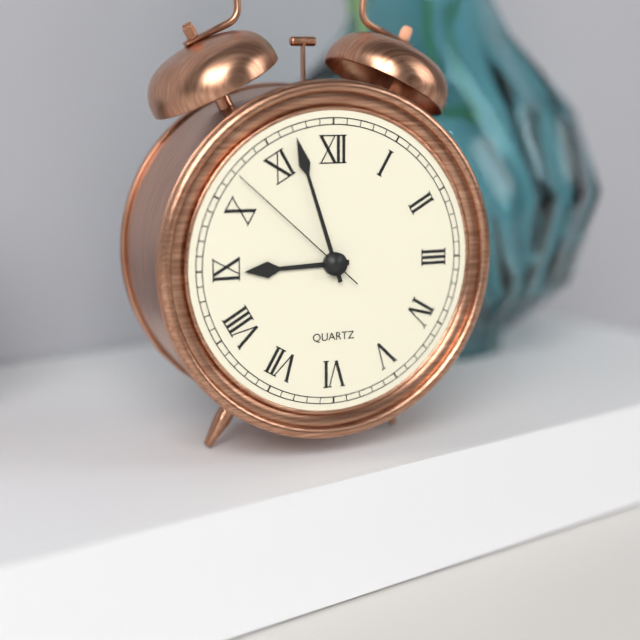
{"hour": 8, "minute": 57, "second": 52}
